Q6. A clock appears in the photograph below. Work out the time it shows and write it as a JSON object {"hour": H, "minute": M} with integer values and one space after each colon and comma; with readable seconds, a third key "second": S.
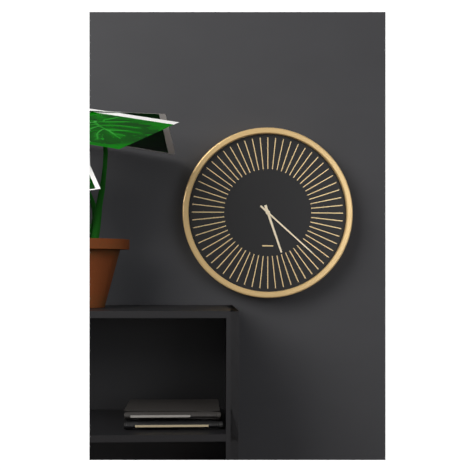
{"hour": 5, "minute": 22}
